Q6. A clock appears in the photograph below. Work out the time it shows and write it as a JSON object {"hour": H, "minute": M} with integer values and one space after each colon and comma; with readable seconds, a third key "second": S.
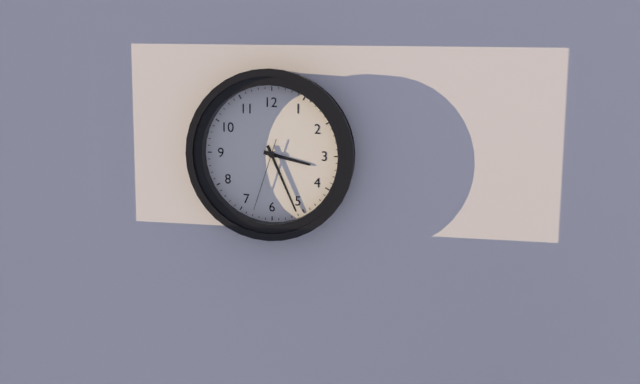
{"hour": 3, "minute": 26, "second": 33}
